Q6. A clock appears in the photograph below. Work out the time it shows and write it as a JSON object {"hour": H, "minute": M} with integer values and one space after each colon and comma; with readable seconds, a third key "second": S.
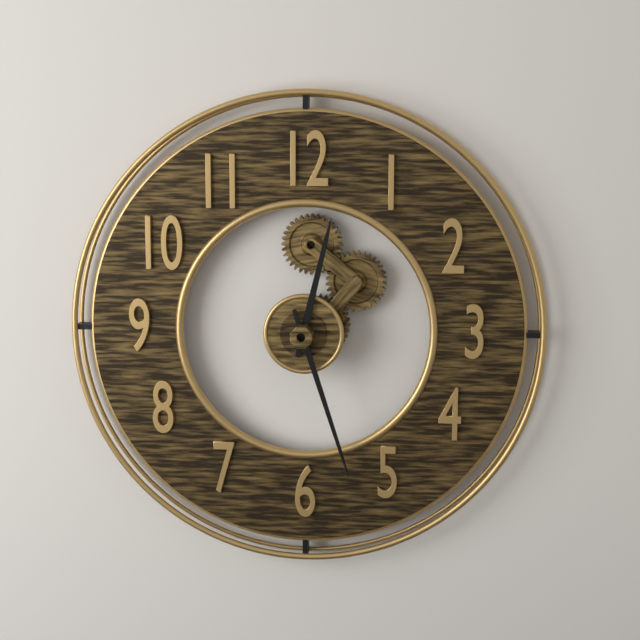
{"hour": 12, "minute": 27}
